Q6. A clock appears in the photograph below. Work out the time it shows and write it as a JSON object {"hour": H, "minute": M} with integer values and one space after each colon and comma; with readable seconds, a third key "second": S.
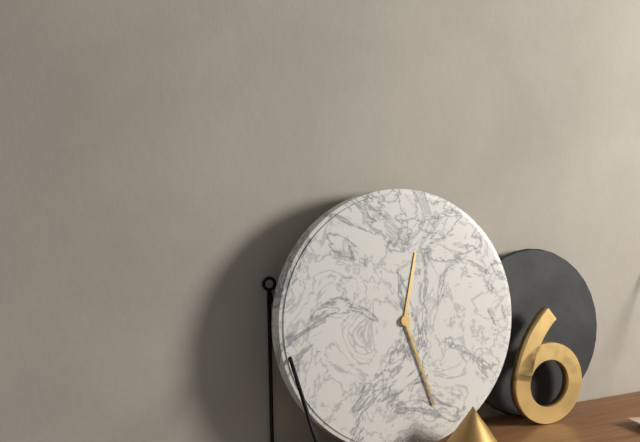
{"hour": 12, "minute": 27}
